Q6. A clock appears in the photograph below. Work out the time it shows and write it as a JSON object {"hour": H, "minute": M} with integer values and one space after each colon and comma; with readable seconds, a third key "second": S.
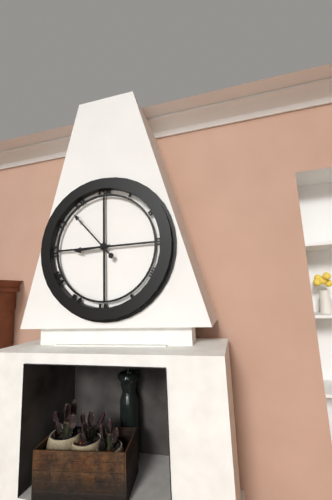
{"hour": 8, "minute": 53}
